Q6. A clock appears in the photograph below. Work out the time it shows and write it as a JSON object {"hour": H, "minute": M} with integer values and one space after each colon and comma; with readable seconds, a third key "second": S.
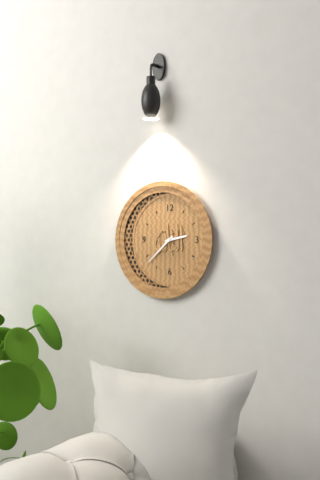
{"hour": 2, "minute": 38}
